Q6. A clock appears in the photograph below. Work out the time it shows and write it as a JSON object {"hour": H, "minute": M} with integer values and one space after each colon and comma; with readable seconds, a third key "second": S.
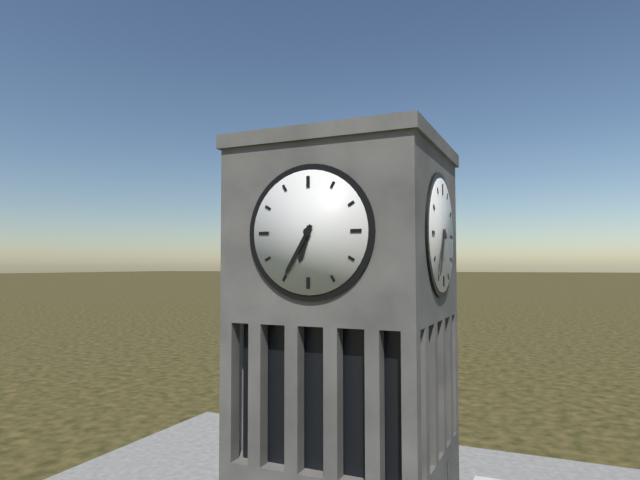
{"hour": 6, "minute": 35}
